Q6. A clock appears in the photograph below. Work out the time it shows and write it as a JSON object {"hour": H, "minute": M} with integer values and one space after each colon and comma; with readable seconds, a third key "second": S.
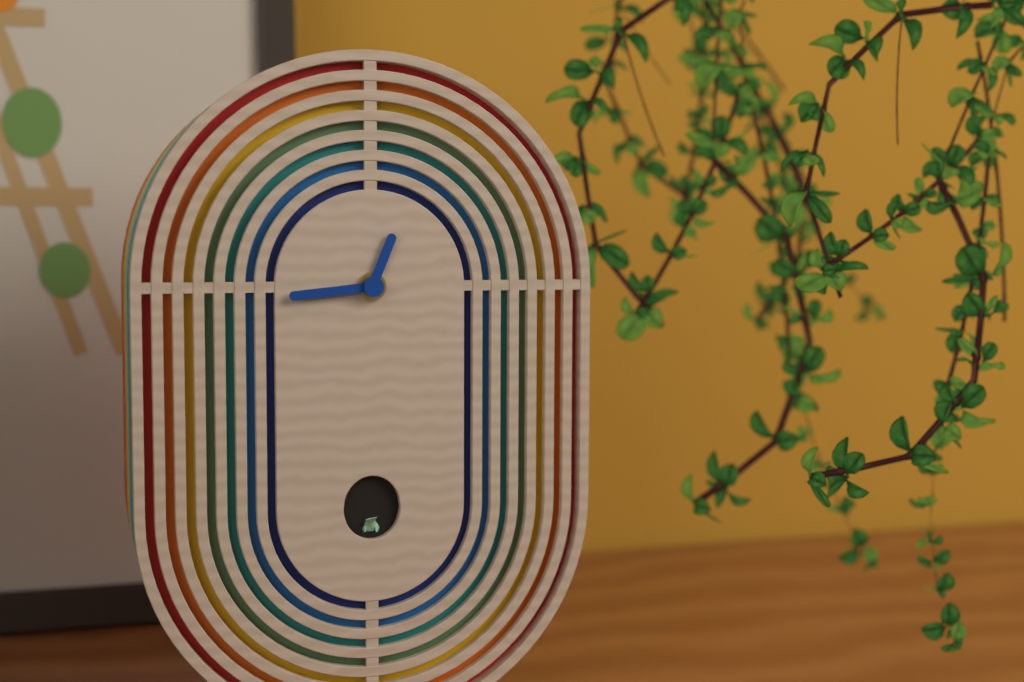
{"hour": 12, "minute": 44}
